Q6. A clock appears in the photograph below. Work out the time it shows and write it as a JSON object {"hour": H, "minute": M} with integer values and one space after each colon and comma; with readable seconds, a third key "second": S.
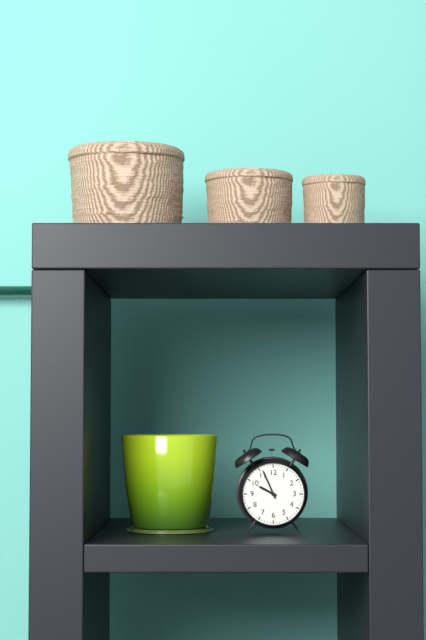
{"hour": 9, "minute": 56}
